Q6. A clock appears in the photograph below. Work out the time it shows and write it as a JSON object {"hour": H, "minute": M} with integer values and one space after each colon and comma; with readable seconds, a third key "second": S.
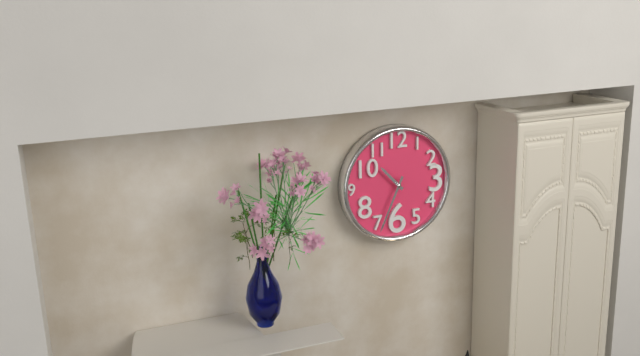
{"hour": 10, "minute": 34}
